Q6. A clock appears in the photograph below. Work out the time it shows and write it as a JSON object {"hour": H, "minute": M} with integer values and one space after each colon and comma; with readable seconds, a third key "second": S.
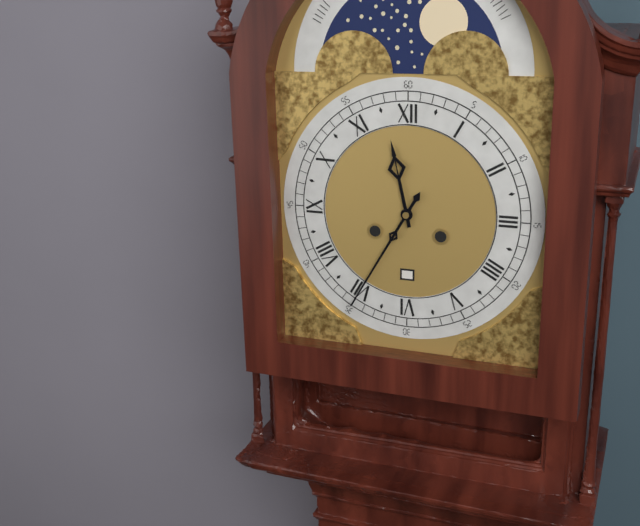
{"hour": 11, "minute": 35}
